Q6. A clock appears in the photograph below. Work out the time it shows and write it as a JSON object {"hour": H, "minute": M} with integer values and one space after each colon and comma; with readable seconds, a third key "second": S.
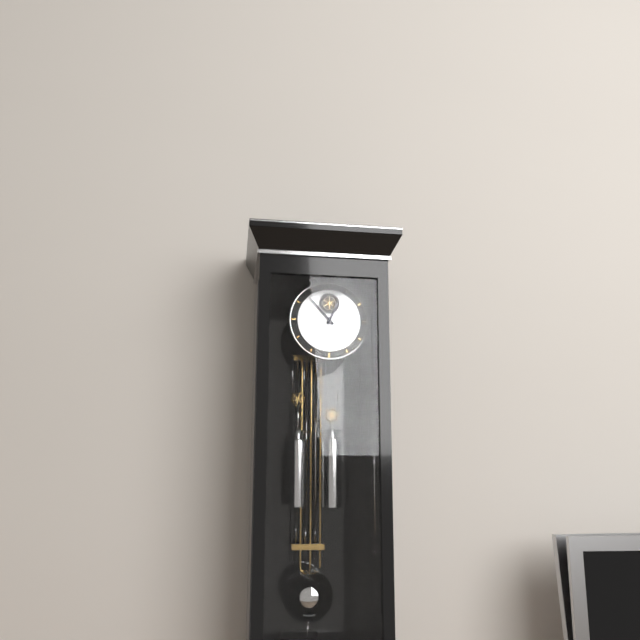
{"hour": 12, "minute": 53}
